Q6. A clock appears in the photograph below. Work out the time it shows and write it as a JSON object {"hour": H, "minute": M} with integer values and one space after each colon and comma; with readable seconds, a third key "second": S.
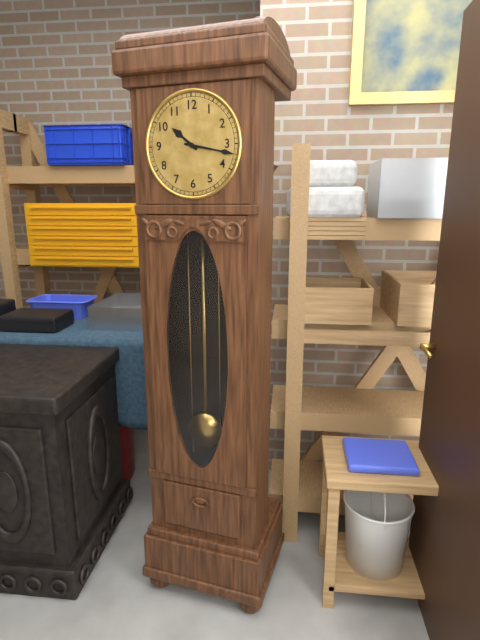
{"hour": 10, "minute": 17}
